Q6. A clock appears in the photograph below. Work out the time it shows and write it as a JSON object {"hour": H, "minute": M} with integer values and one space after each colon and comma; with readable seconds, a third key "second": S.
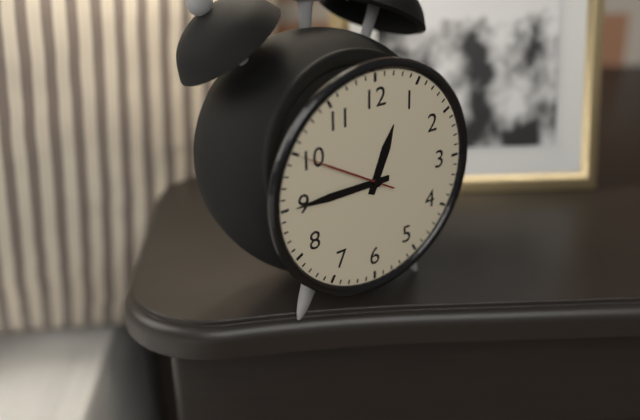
{"hour": 12, "minute": 45, "second": 50}
